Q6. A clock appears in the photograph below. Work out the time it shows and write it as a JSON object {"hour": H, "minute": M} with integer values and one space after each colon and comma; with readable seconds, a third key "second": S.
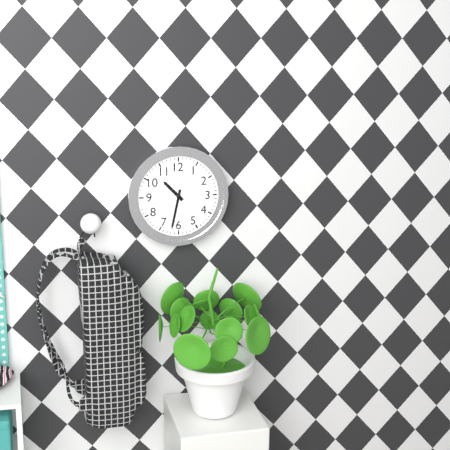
{"hour": 10, "minute": 32}
